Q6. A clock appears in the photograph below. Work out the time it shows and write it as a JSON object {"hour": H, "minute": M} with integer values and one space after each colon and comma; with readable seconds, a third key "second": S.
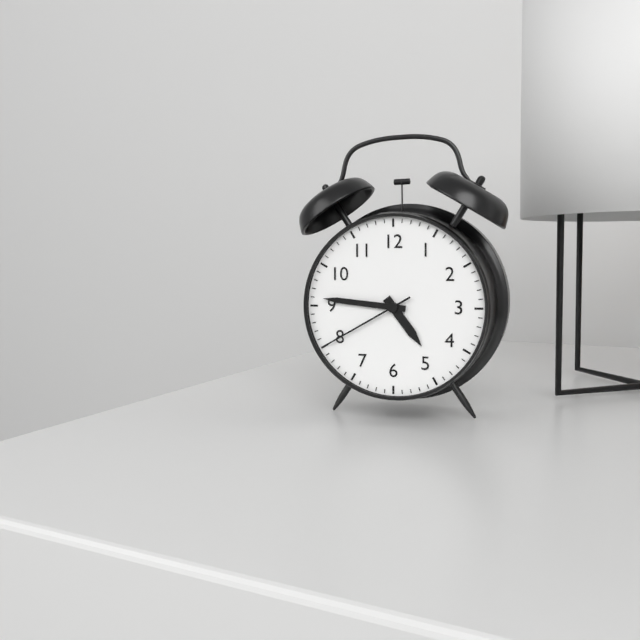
{"hour": 4, "minute": 46, "second": 40}
